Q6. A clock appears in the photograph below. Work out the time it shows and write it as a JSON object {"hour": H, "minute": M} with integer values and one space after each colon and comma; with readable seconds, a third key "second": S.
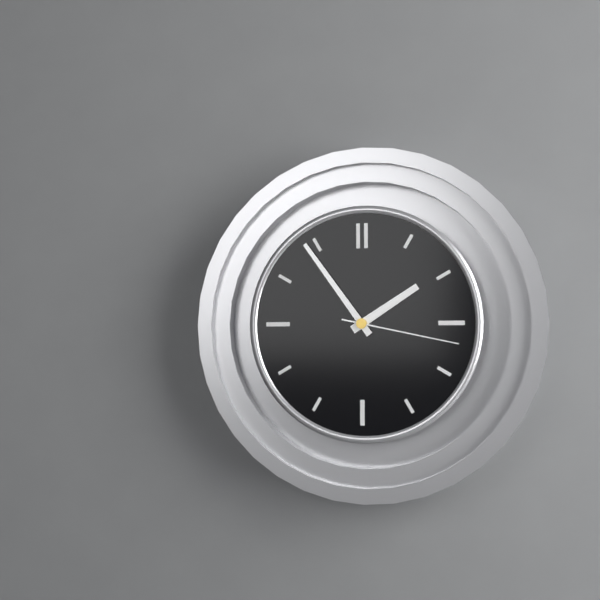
{"hour": 1, "minute": 54, "second": 17}
